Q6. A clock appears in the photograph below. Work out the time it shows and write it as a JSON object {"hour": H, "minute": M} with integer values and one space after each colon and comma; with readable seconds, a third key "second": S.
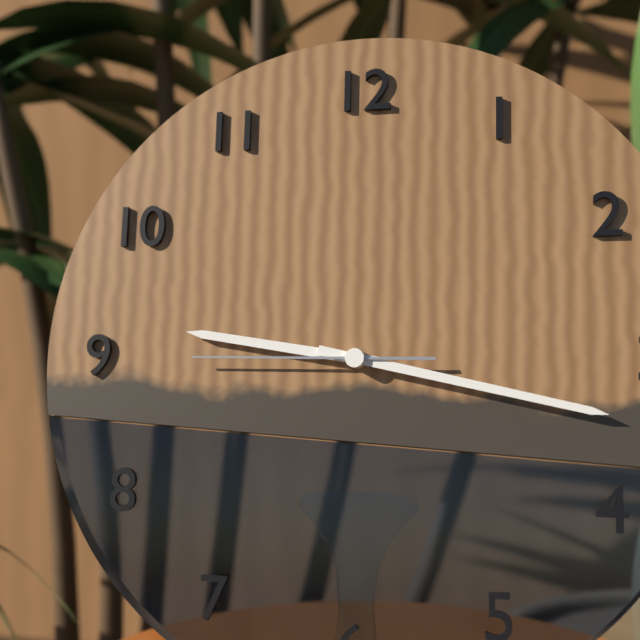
{"hour": 9, "minute": 17, "second": 45}
